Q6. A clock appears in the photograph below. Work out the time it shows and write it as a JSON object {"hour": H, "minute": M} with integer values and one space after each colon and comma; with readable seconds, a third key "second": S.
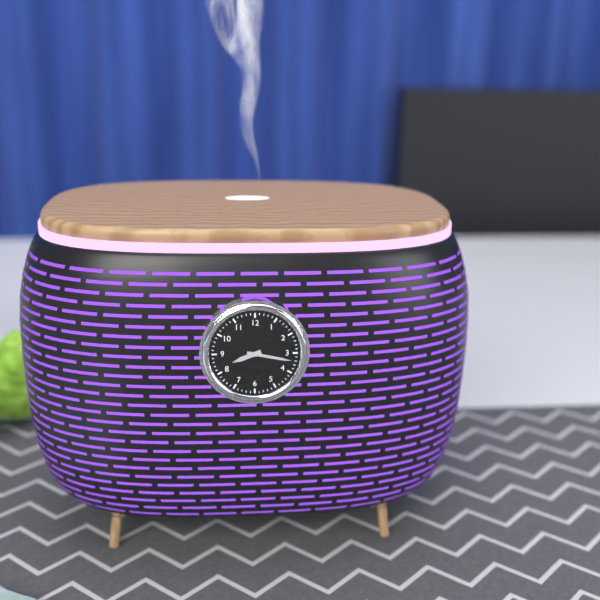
{"hour": 8, "minute": 17}
